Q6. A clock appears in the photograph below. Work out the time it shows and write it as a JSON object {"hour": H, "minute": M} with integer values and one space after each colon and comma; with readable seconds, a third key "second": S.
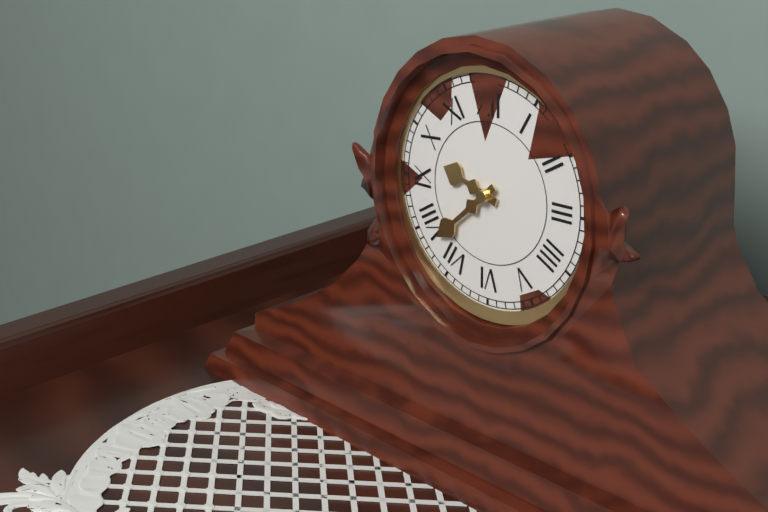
{"hour": 9, "minute": 38}
